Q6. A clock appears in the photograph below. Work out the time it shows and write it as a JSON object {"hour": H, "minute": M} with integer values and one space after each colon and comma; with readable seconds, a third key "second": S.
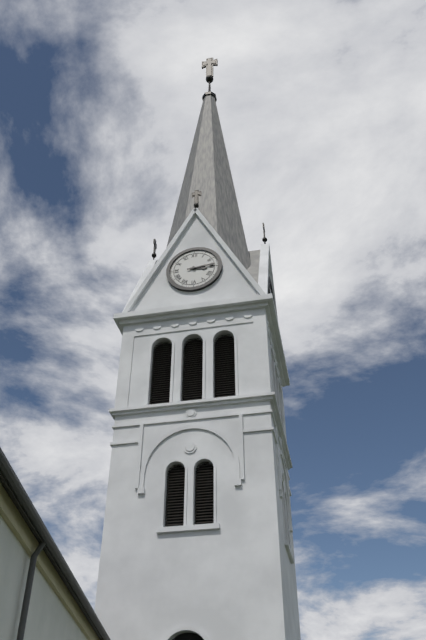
{"hour": 3, "minute": 14}
